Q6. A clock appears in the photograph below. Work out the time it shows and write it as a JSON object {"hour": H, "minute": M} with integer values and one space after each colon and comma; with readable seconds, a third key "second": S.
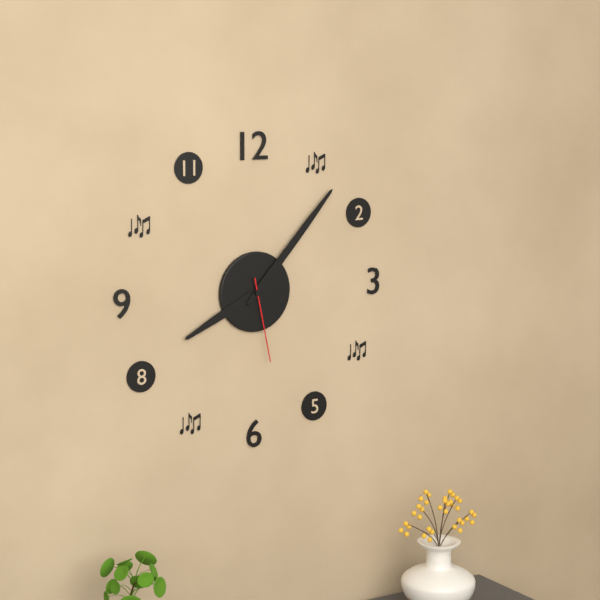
{"hour": 8, "minute": 7, "second": 28}
